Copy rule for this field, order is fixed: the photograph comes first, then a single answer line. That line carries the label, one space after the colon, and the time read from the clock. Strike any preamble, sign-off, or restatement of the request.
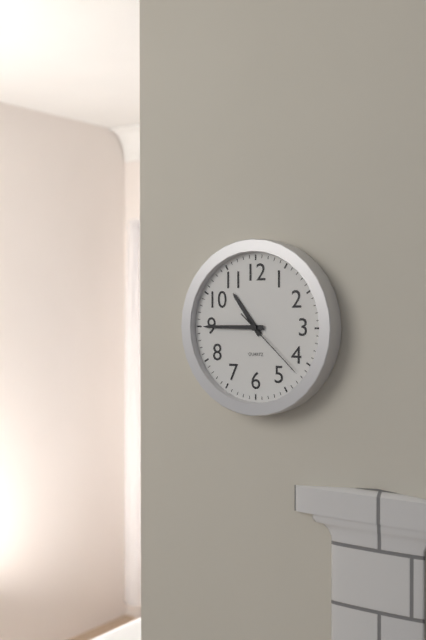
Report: 10:45:22
